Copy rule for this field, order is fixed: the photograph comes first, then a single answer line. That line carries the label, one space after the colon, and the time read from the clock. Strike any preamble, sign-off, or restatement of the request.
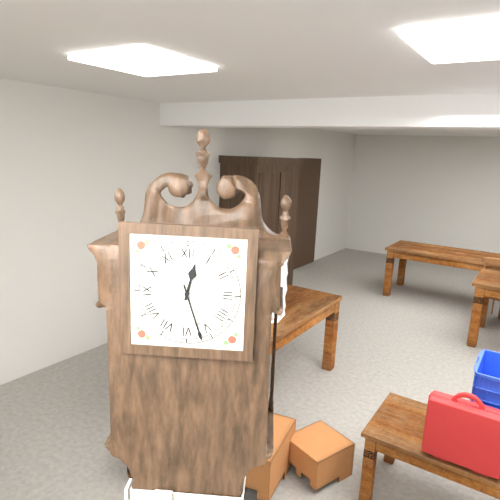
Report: 12:27
